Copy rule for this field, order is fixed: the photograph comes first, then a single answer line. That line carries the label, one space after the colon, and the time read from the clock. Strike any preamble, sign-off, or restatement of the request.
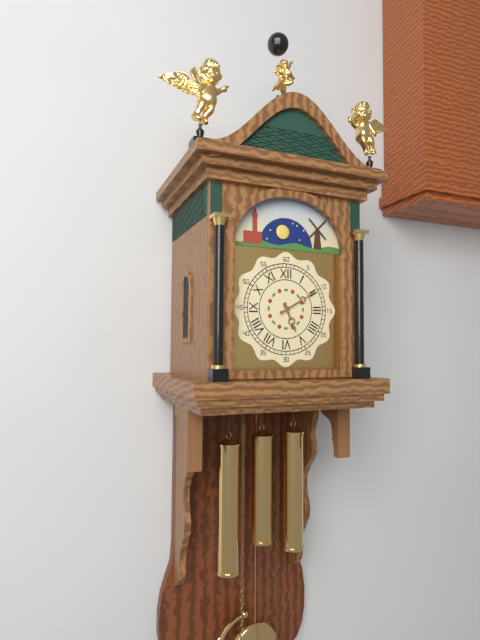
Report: 5:10
